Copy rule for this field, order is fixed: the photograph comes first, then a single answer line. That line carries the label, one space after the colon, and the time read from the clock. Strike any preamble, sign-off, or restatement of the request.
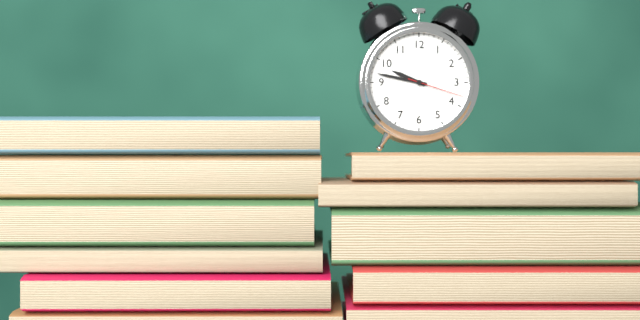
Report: 9:47:18
